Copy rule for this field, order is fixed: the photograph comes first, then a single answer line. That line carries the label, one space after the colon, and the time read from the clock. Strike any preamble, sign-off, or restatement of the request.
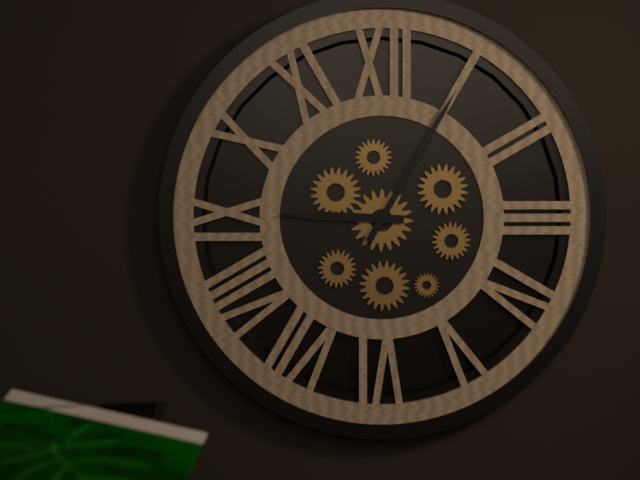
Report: 9:05
